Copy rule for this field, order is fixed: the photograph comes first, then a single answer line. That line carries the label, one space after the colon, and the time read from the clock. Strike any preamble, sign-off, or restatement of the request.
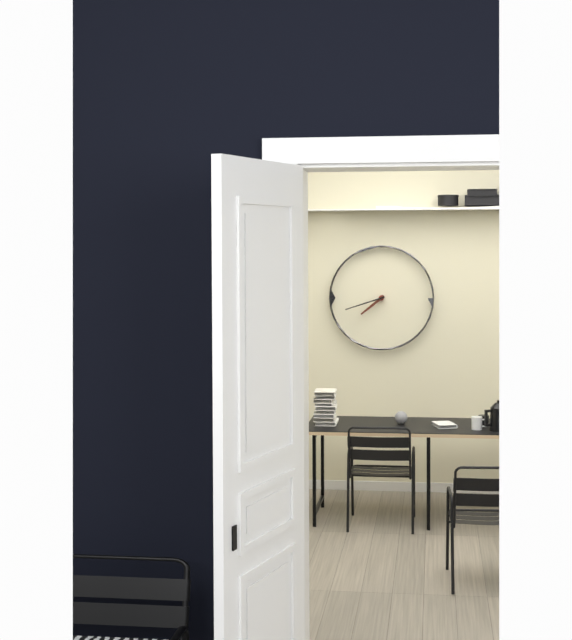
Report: 7:42
